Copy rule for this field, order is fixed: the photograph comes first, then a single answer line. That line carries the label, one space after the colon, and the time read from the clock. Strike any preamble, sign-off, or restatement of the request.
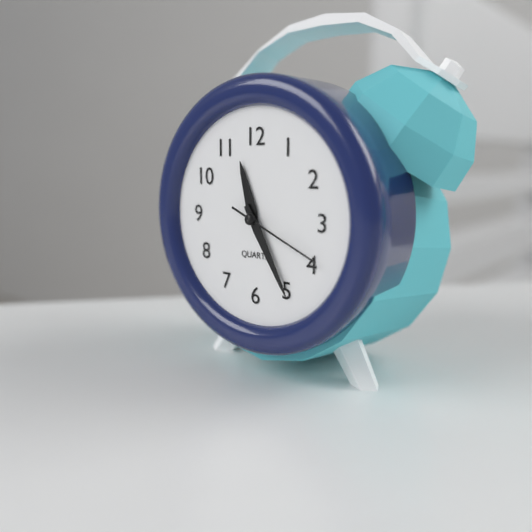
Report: 11:25:19
